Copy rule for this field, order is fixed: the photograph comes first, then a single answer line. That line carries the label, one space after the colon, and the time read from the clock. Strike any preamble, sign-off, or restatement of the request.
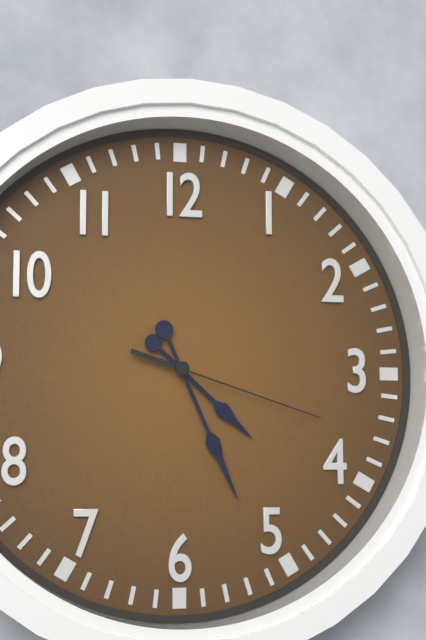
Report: 4:26:18
